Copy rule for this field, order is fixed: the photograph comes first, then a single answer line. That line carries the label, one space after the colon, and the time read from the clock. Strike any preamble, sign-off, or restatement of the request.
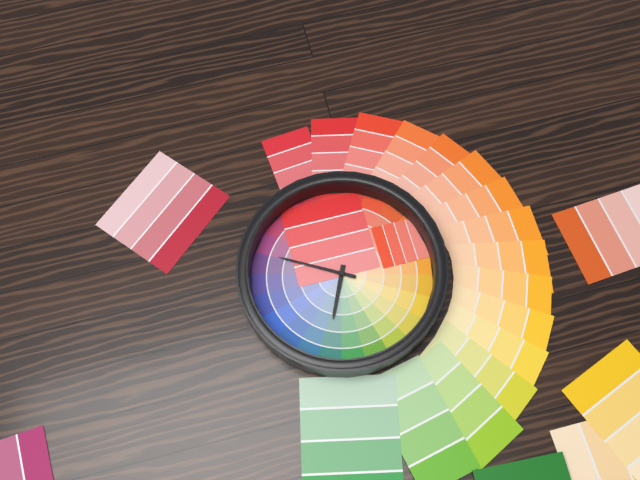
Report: 6:50
